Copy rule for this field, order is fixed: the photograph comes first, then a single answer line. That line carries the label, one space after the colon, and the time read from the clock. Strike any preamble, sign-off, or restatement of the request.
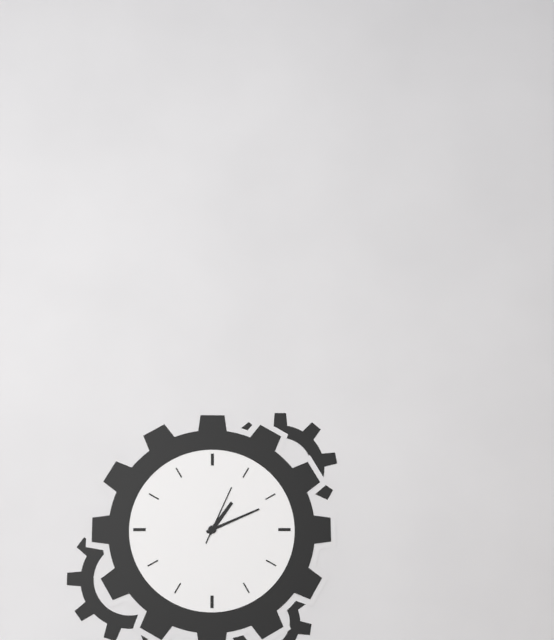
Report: 1:11:04
